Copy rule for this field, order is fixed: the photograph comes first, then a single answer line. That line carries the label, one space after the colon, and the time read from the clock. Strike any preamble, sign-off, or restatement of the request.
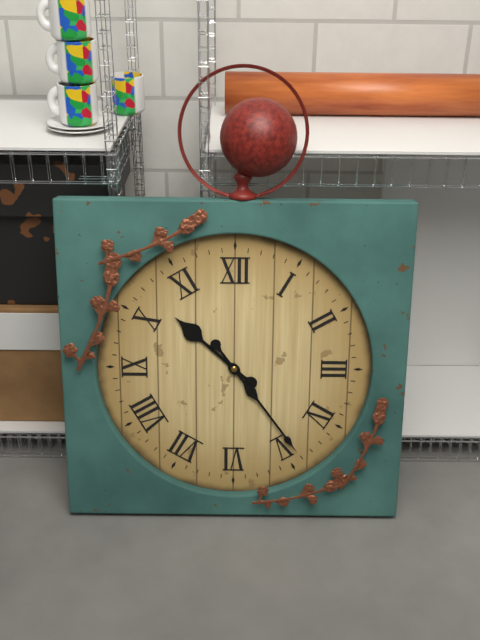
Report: 10:24
